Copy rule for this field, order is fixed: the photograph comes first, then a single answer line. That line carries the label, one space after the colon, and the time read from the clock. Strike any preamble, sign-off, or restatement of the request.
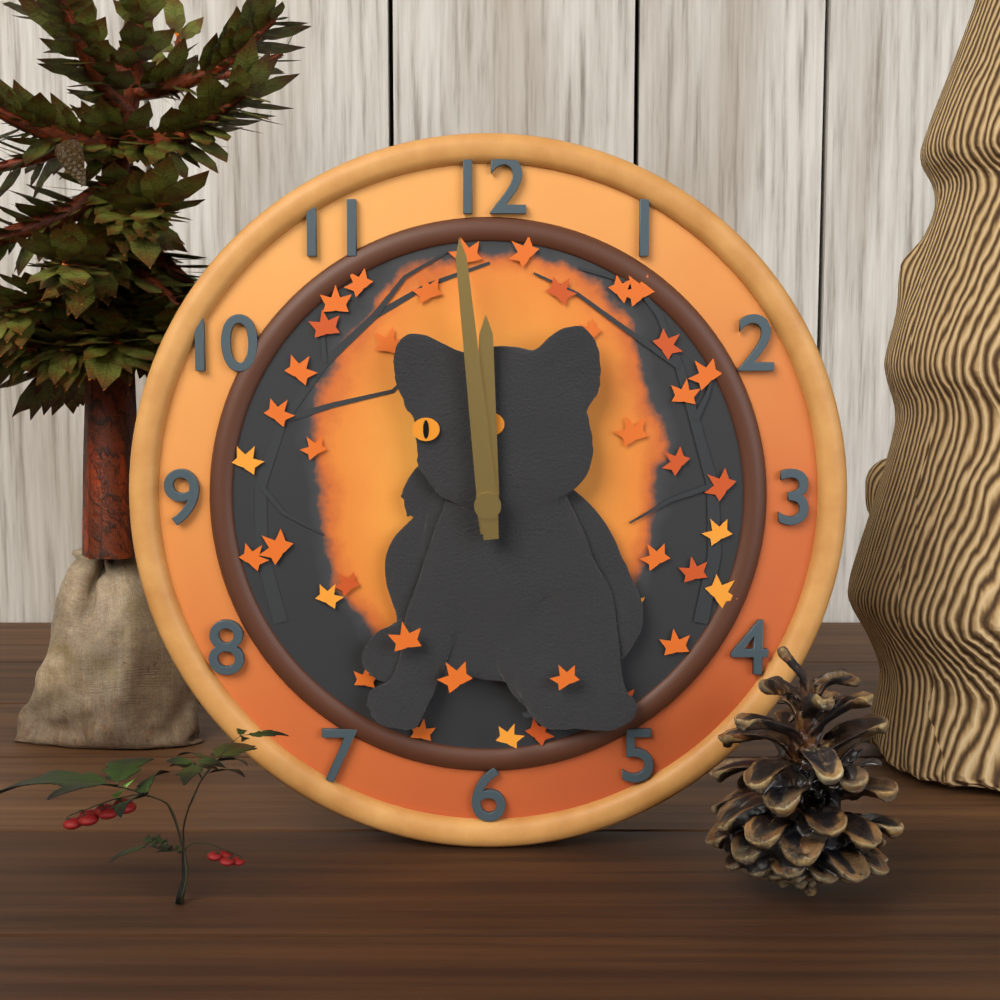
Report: 11:59
